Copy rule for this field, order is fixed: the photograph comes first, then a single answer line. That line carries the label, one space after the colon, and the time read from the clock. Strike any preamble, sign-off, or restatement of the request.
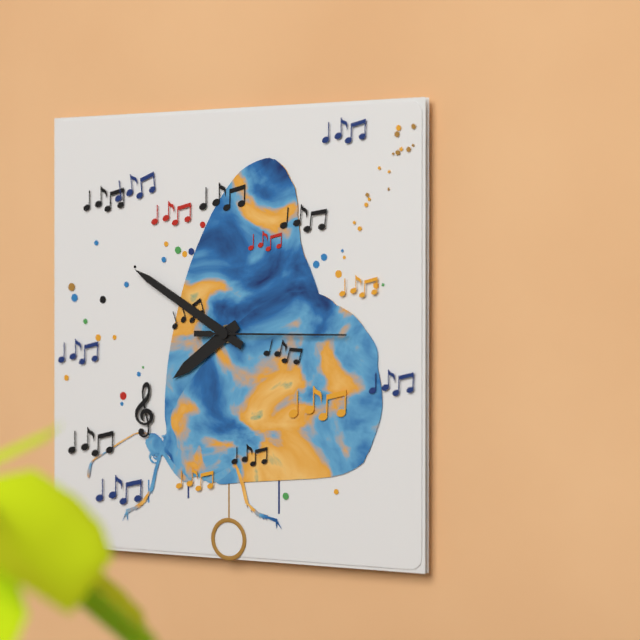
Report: 7:50:15
